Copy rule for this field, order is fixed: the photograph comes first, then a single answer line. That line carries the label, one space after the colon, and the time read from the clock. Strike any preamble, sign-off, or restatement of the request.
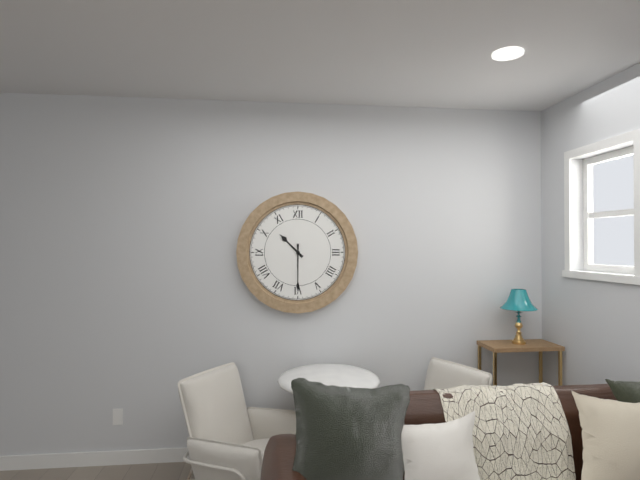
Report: 10:30
